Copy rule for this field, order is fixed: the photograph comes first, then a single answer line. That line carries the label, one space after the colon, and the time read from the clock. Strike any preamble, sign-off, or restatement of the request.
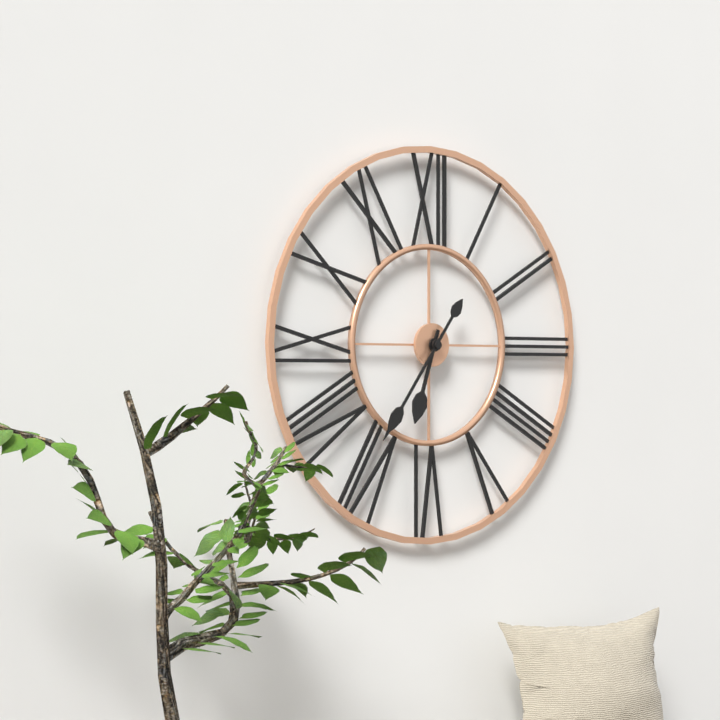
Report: 6:36
